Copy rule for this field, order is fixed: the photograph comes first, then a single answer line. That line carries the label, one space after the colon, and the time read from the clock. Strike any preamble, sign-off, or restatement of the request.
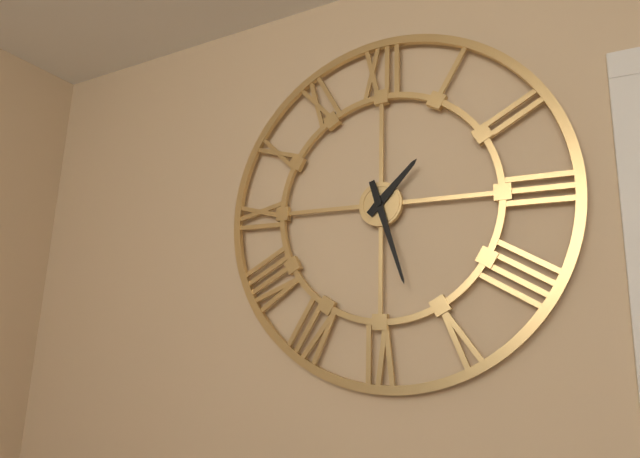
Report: 1:27
